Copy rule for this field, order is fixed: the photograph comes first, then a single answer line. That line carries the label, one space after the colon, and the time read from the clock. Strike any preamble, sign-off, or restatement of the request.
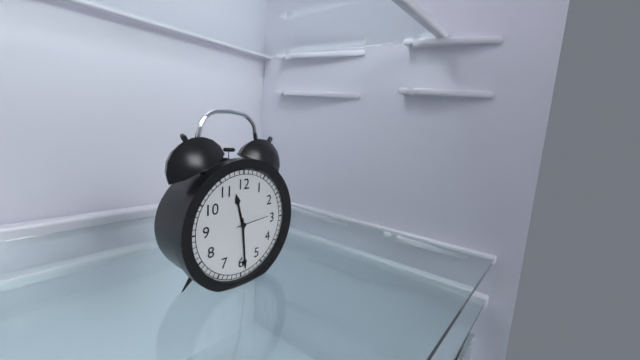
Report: 11:29
